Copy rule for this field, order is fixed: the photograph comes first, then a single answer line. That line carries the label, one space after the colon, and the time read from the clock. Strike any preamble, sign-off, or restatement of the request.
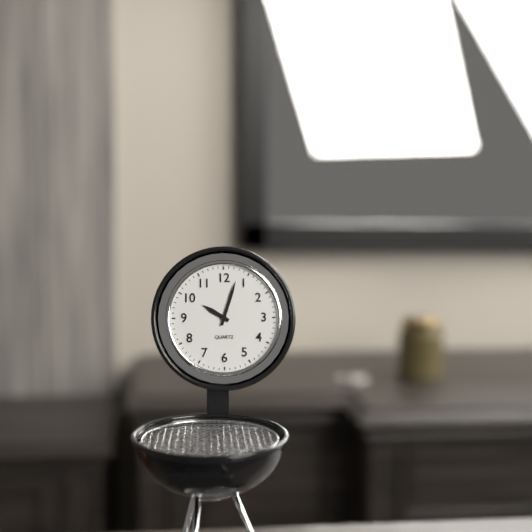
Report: 10:03
